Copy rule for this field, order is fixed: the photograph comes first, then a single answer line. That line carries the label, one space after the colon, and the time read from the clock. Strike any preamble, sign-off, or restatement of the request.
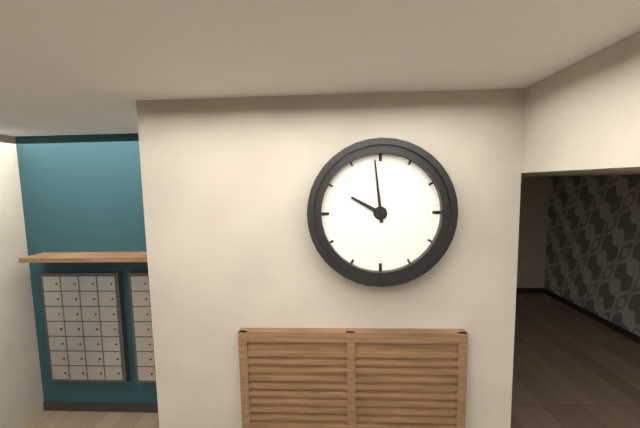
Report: 9:59
